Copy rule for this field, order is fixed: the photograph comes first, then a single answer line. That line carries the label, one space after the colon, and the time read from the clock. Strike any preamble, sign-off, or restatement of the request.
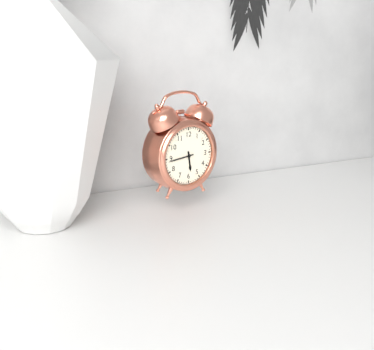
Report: 5:44
